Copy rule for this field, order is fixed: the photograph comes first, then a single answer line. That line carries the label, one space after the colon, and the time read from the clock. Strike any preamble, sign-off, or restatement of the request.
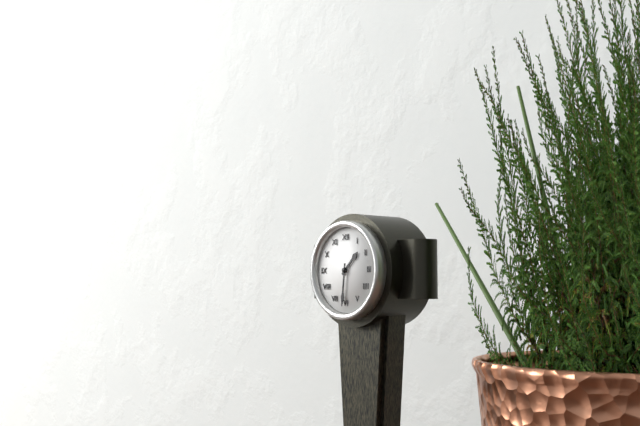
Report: 1:31
